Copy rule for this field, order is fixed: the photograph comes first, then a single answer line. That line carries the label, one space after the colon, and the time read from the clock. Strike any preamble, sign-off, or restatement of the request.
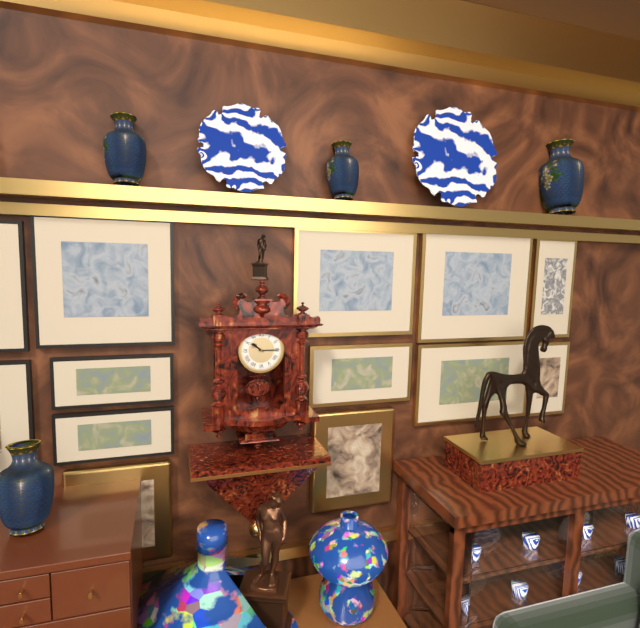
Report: 10:15
